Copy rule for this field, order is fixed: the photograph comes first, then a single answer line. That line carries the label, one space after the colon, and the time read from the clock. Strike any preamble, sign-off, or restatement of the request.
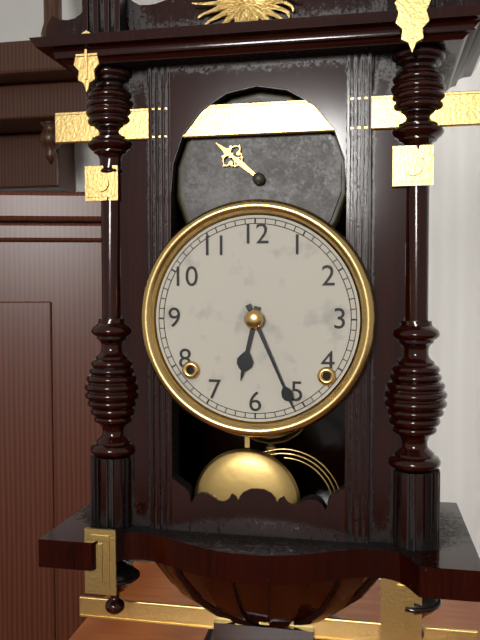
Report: 6:26
